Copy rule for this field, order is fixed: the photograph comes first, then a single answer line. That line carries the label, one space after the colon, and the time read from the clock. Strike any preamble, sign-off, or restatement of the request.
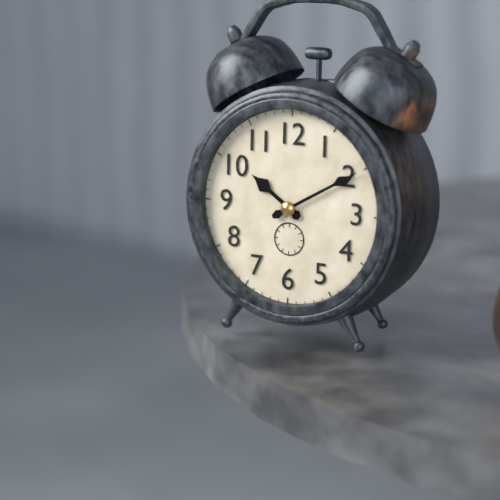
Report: 10:10
